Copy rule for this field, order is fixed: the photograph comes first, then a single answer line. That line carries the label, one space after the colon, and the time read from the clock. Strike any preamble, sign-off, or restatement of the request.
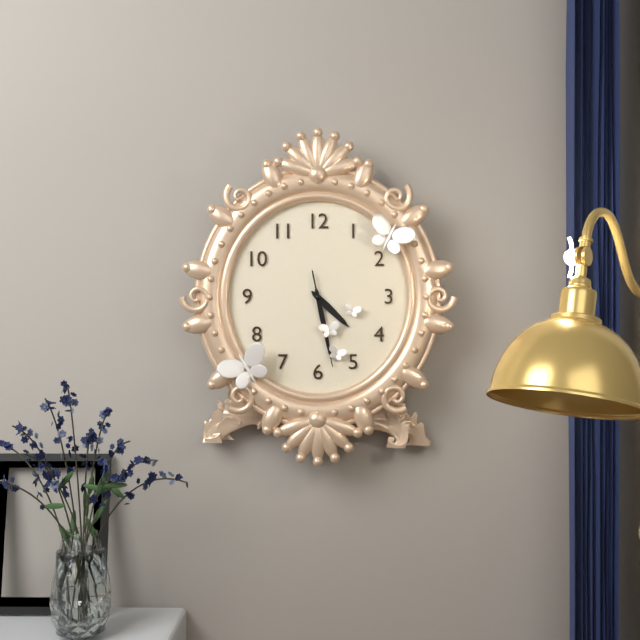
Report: 4:28:28
